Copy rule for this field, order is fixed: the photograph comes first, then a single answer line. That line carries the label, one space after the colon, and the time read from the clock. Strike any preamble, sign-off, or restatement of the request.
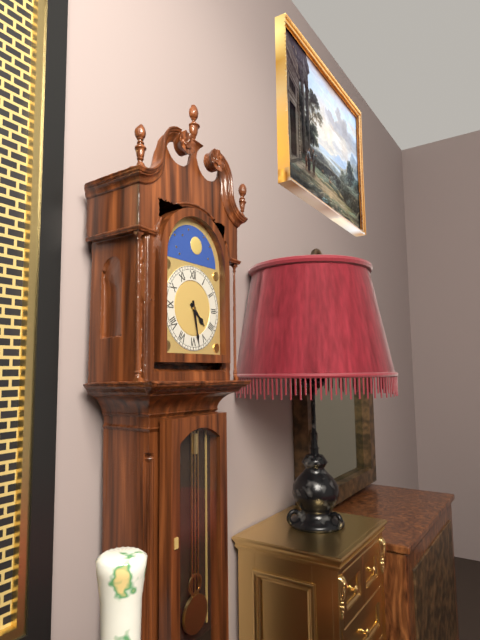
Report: 4:28
